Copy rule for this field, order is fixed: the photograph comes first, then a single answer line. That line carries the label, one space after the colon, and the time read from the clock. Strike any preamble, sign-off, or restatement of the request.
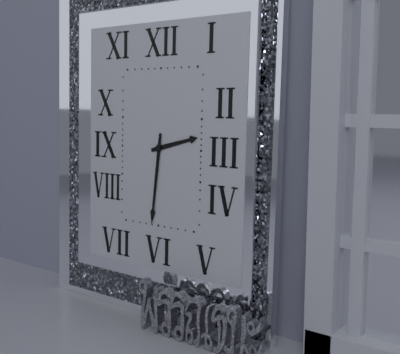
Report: 2:31
